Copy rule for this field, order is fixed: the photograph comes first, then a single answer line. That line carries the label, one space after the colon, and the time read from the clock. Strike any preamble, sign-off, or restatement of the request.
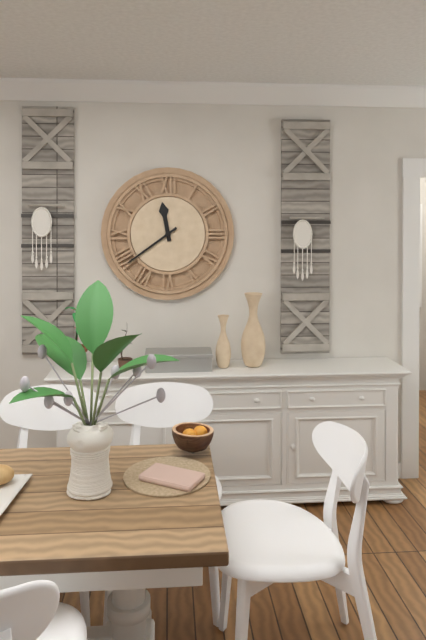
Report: 11:39
